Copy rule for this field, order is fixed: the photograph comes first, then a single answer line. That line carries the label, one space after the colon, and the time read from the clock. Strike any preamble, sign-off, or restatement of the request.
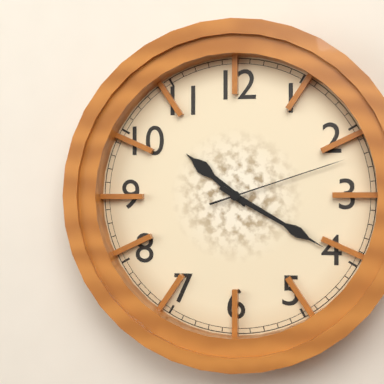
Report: 10:20:12
